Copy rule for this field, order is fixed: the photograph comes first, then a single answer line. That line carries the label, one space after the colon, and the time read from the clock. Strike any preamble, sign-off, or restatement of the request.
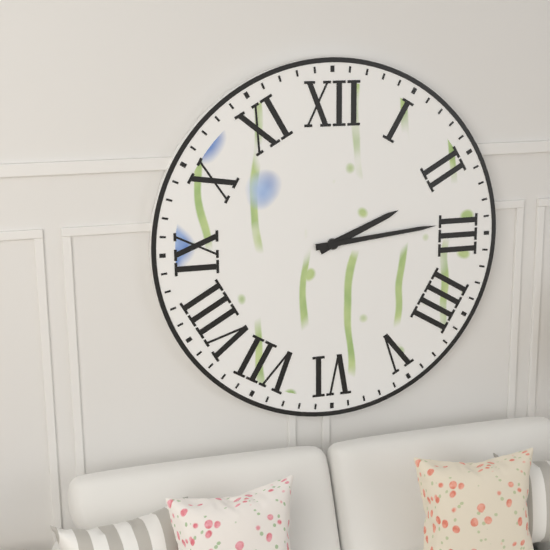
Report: 2:14
